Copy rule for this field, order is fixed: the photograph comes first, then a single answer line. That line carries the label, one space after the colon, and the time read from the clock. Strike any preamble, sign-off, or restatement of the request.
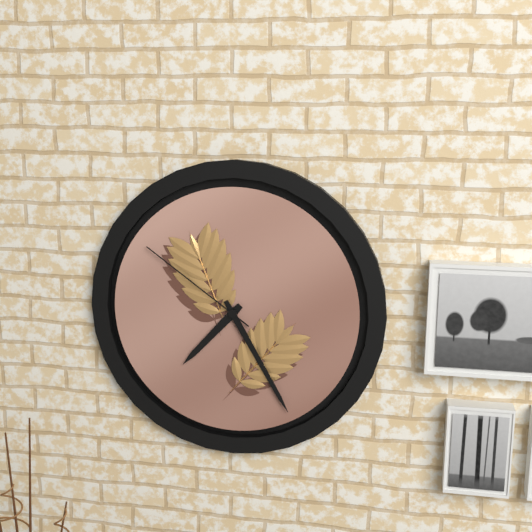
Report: 7:25:51
